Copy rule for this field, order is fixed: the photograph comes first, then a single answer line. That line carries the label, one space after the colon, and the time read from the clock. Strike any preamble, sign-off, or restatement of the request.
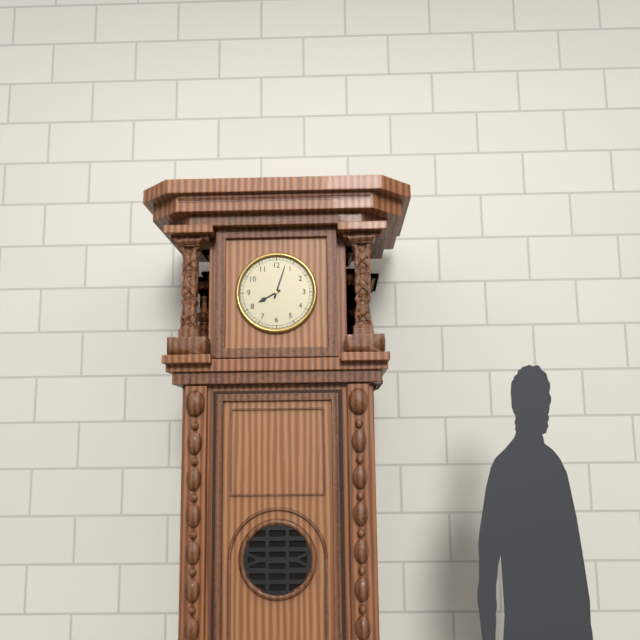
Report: 8:03
